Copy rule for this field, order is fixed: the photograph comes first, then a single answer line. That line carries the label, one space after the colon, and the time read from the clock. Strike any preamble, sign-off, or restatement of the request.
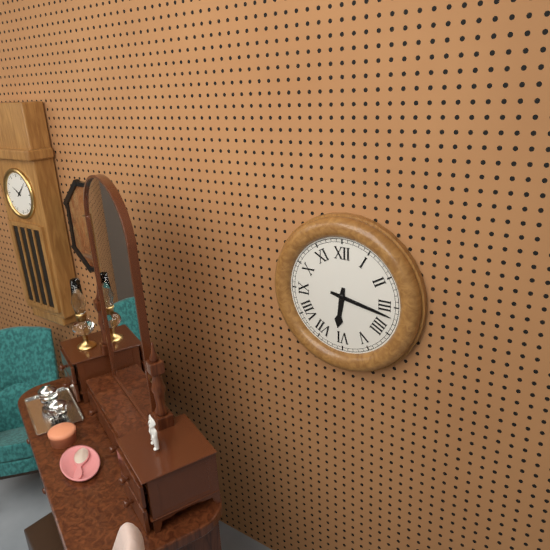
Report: 6:17
